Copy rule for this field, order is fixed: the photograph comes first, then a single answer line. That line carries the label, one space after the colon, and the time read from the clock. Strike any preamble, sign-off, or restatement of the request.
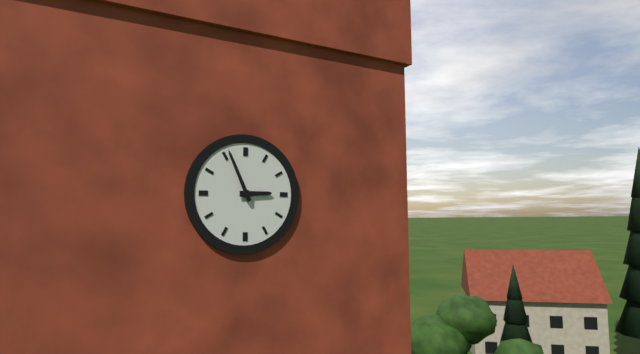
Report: 2:56
